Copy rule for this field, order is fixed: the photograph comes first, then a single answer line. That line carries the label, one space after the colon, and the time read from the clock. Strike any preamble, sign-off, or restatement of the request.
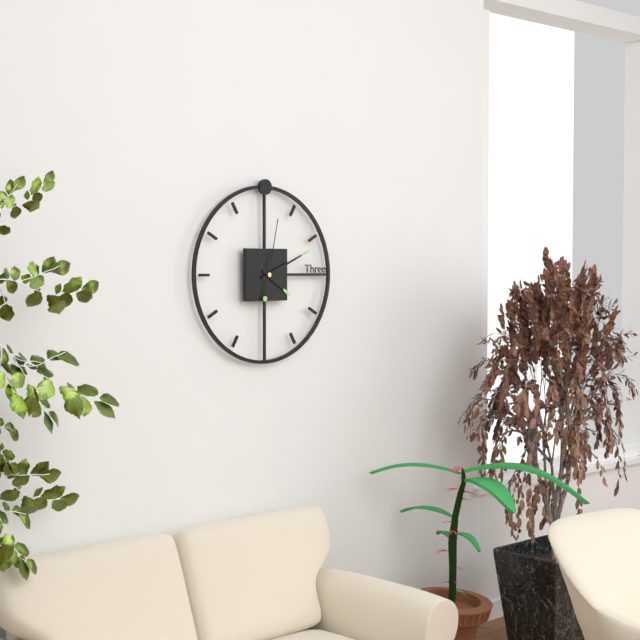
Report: 4:11:02
